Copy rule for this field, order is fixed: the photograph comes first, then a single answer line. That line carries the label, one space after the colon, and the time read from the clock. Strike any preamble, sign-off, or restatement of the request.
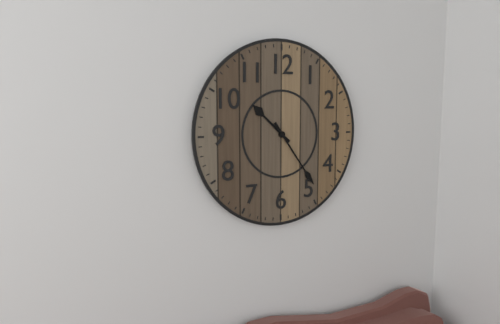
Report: 10:24
